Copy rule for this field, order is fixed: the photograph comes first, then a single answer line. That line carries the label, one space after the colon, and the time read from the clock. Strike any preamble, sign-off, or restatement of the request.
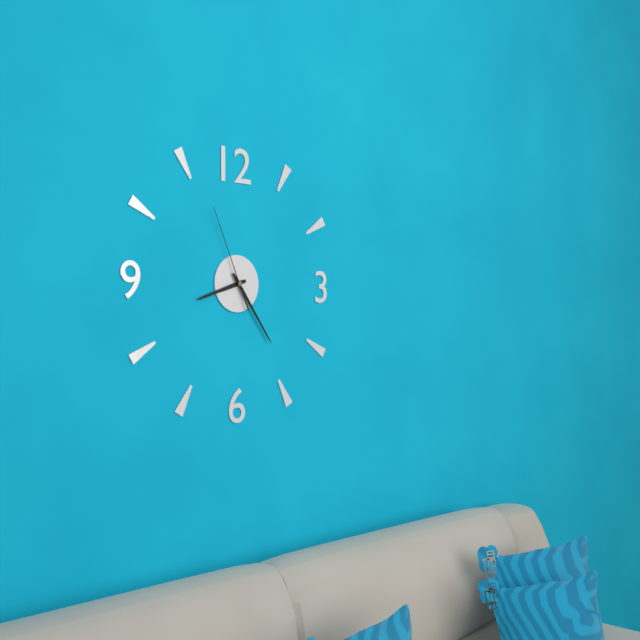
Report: 8:24:56
